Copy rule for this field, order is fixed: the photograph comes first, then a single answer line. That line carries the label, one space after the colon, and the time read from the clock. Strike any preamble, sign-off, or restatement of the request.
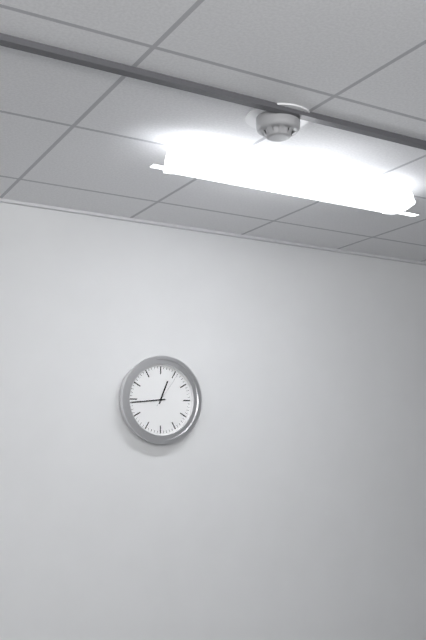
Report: 12:44
